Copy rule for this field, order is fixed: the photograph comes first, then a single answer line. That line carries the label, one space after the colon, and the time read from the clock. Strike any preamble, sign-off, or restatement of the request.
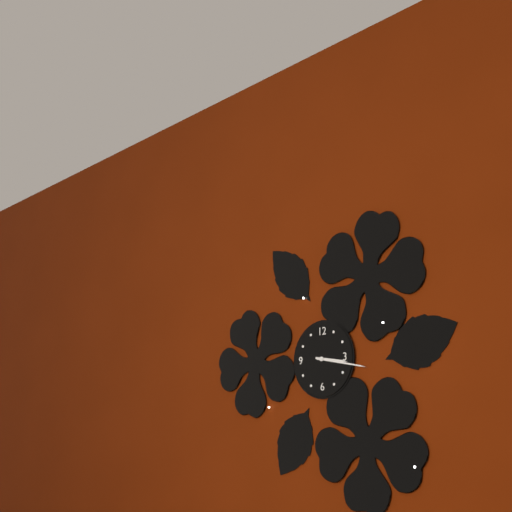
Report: 3:17
